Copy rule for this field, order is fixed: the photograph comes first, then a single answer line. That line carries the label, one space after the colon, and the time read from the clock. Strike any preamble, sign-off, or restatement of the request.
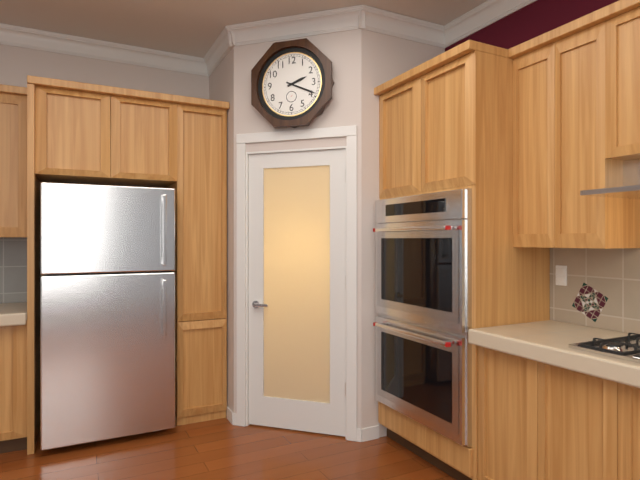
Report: 2:19
